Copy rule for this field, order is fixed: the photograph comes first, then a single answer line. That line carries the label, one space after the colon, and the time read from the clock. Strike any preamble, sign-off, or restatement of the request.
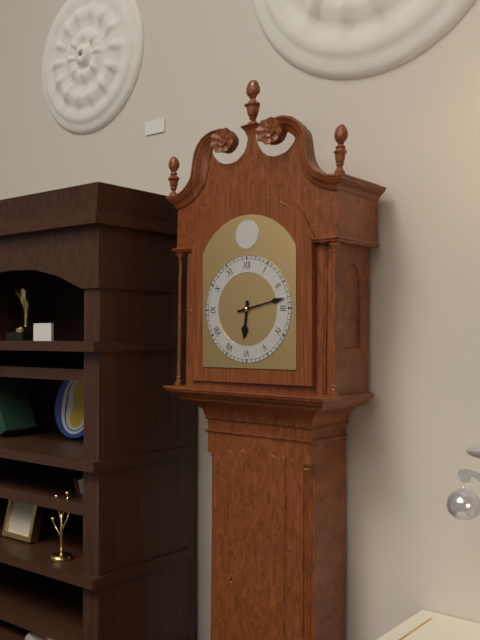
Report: 6:13
